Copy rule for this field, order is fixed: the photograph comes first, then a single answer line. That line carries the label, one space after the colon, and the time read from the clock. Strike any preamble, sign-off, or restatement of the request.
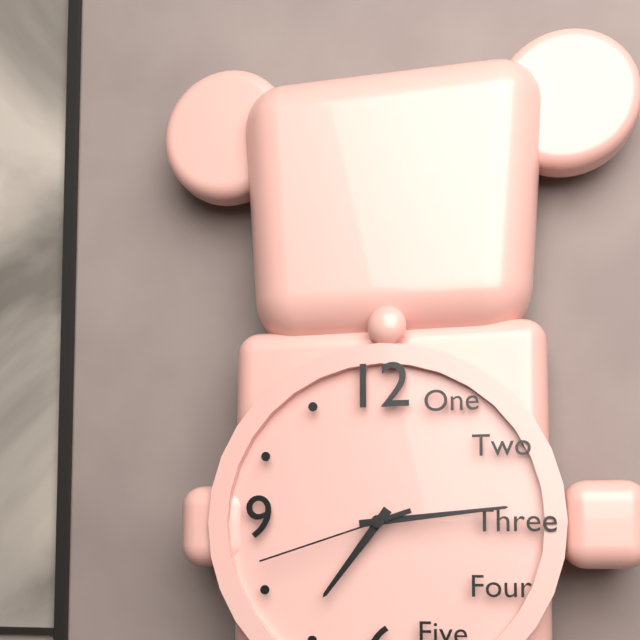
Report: 7:14:42
